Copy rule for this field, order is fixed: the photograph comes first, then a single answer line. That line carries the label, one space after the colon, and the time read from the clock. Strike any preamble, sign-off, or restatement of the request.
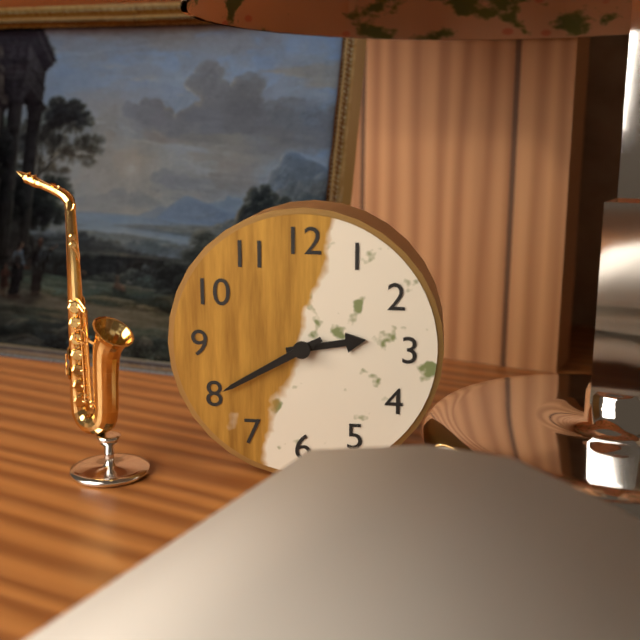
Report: 2:40
